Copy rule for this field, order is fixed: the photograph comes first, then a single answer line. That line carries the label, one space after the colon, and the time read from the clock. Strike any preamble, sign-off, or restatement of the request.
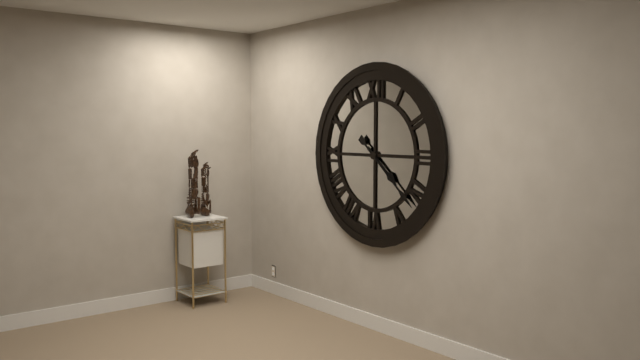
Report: 4:22
